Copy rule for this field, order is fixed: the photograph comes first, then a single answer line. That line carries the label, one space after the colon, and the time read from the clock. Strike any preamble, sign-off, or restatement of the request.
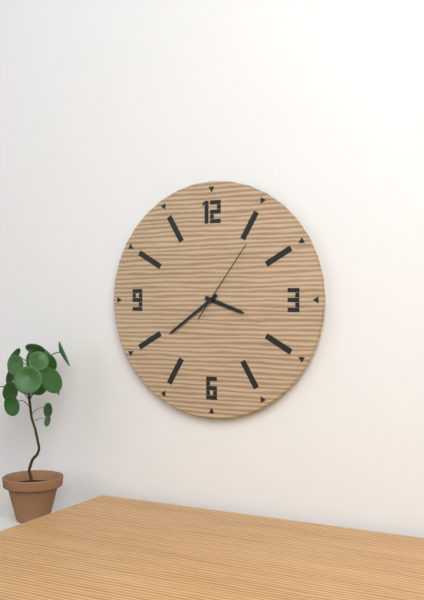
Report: 3:39:06
